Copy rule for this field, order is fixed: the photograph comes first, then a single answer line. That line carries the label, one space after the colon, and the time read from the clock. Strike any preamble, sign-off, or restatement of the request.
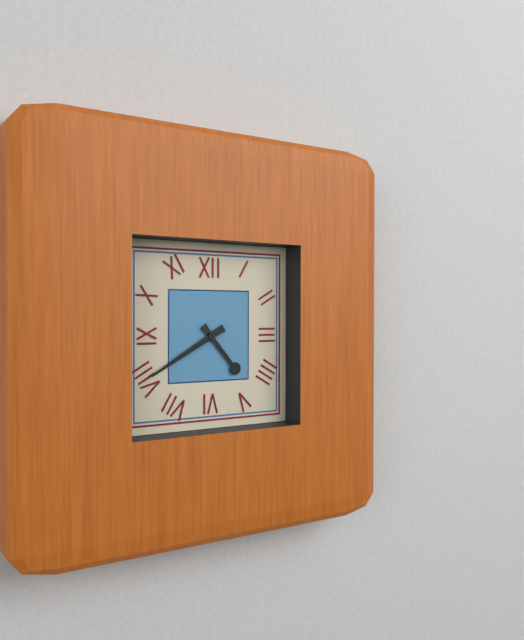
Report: 4:40
